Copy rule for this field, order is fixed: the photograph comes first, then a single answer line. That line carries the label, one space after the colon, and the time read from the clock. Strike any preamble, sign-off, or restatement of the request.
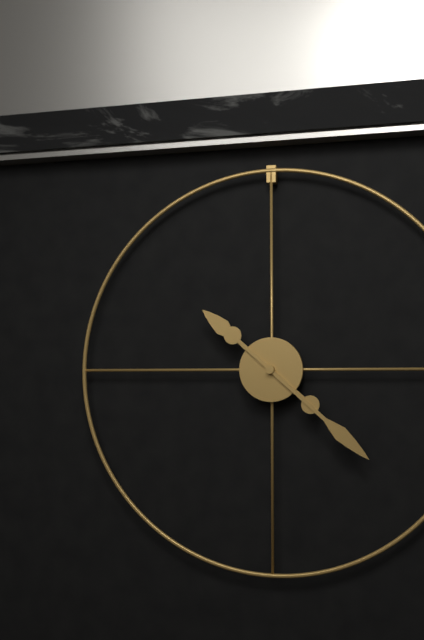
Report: 10:22
